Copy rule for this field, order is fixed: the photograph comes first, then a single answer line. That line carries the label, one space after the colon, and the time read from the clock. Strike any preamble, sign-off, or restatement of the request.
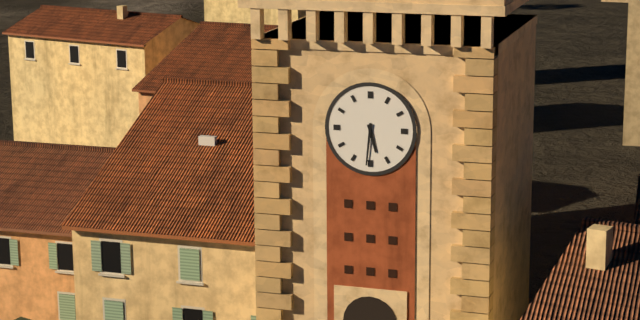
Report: 5:31
